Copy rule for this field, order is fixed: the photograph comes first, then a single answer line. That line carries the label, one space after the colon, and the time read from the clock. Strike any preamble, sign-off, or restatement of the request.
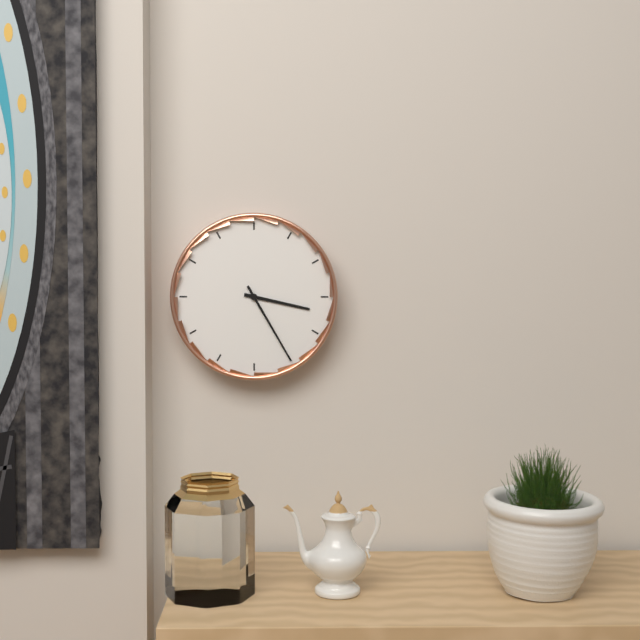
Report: 3:25
